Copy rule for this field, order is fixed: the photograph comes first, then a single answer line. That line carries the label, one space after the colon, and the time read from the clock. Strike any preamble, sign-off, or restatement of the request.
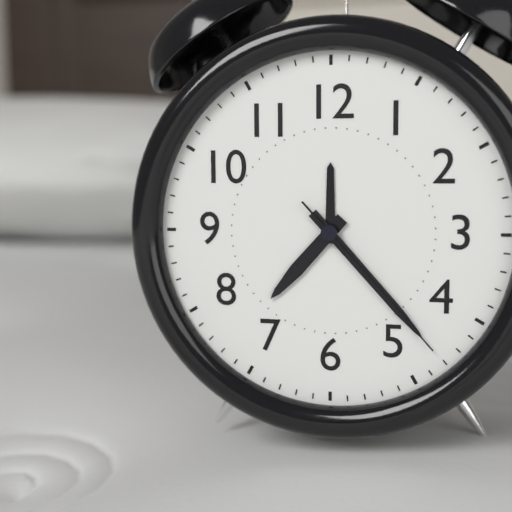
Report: 7:23:23
